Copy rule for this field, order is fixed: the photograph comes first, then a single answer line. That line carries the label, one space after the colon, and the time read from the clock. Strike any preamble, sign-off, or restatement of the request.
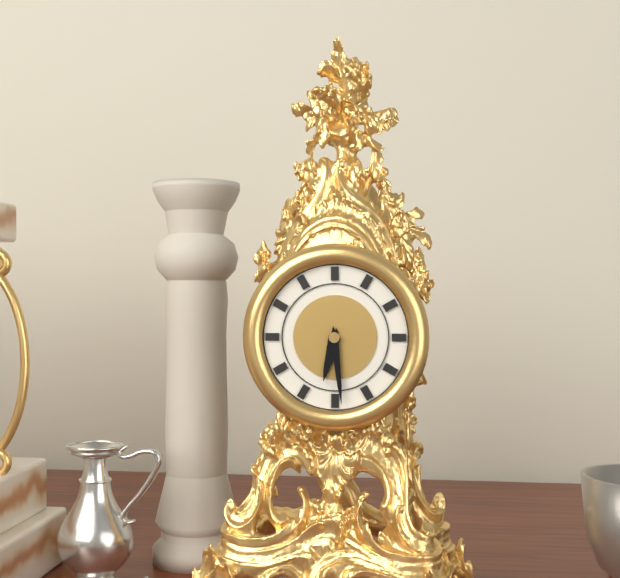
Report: 6:29
